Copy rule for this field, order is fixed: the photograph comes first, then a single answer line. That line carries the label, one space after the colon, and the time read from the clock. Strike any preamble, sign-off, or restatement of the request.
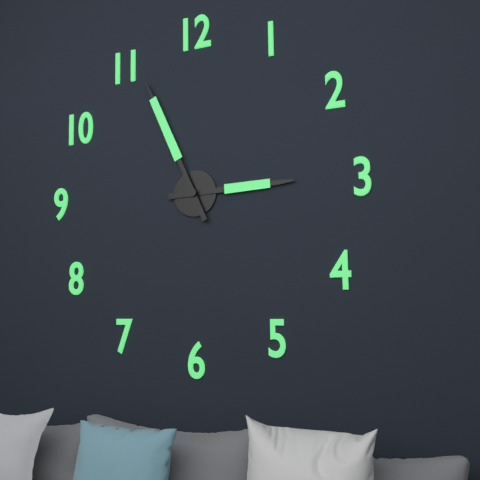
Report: 2:56
